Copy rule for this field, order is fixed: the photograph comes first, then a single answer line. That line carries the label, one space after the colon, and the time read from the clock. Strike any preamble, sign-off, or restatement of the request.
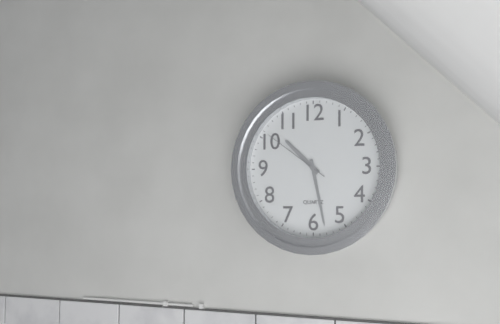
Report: 10:28:51
